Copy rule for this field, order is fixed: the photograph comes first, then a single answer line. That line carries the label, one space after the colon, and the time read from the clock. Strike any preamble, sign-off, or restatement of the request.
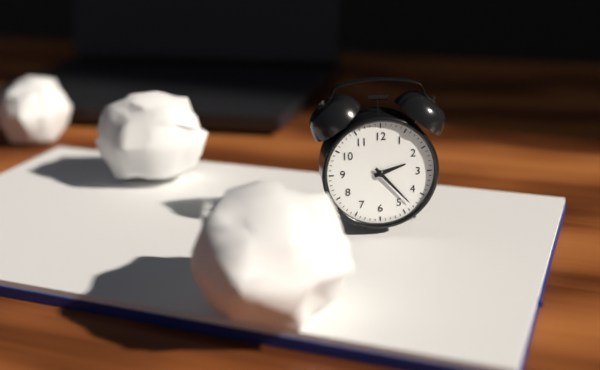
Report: 2:23
